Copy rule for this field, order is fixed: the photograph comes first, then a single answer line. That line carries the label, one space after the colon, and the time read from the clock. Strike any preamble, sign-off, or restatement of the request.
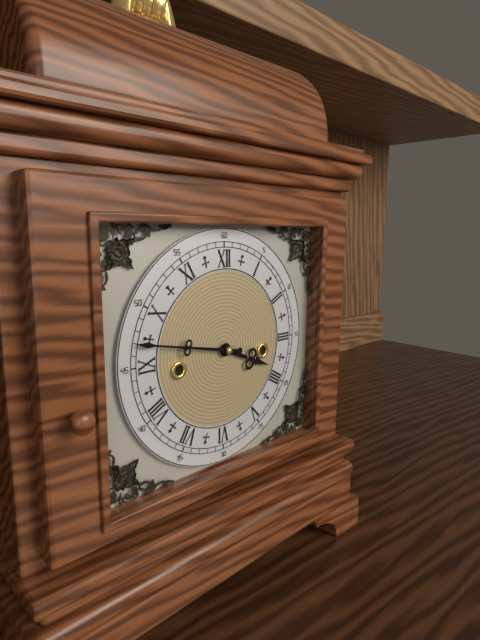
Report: 3:47
